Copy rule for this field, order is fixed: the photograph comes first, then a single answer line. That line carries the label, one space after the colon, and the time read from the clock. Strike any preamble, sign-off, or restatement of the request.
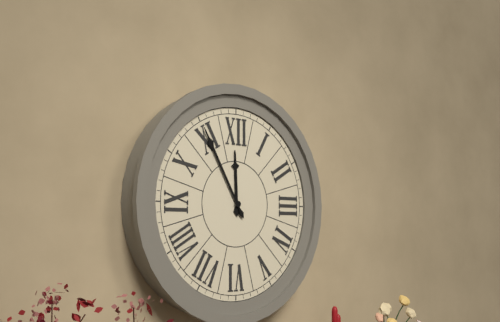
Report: 11:55
